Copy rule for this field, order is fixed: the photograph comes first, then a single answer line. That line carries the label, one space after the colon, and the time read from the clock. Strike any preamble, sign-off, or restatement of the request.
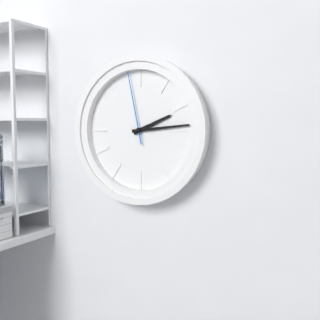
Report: 2:14:58
